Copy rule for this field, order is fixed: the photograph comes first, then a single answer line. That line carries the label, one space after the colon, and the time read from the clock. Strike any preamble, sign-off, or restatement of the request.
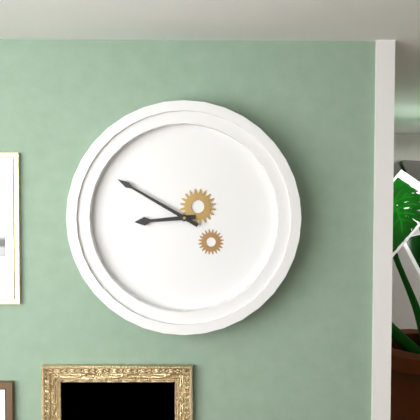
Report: 8:50
